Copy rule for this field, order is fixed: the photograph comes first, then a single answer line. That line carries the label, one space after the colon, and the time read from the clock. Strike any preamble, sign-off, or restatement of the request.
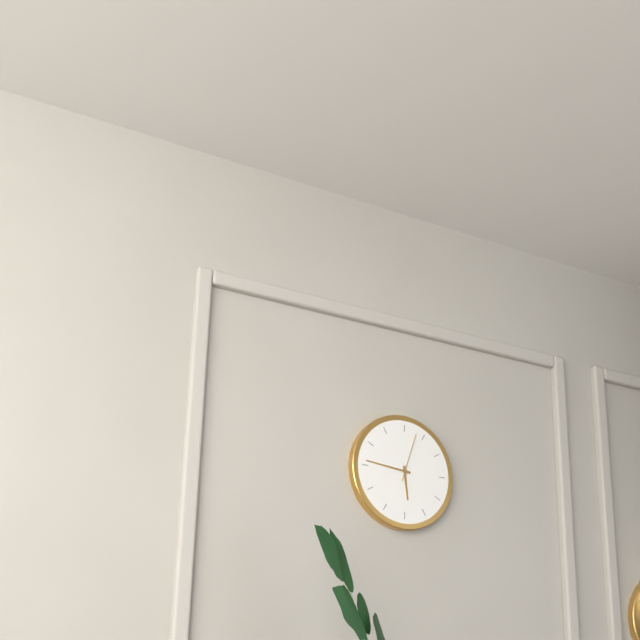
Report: 5:46
